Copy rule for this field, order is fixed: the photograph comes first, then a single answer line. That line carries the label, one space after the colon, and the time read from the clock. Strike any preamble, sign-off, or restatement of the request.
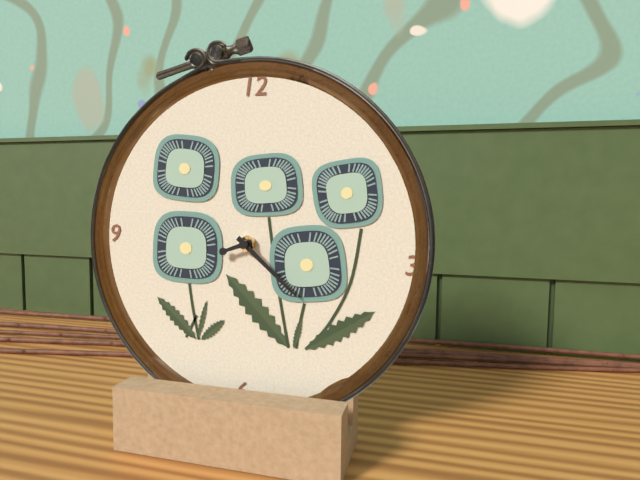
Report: 8:22
